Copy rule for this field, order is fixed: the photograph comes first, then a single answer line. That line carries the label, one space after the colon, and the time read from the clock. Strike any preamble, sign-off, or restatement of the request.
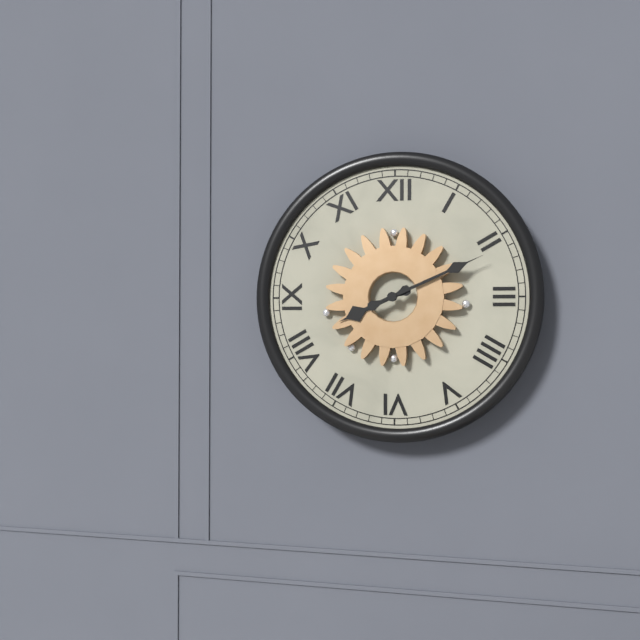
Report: 8:11
